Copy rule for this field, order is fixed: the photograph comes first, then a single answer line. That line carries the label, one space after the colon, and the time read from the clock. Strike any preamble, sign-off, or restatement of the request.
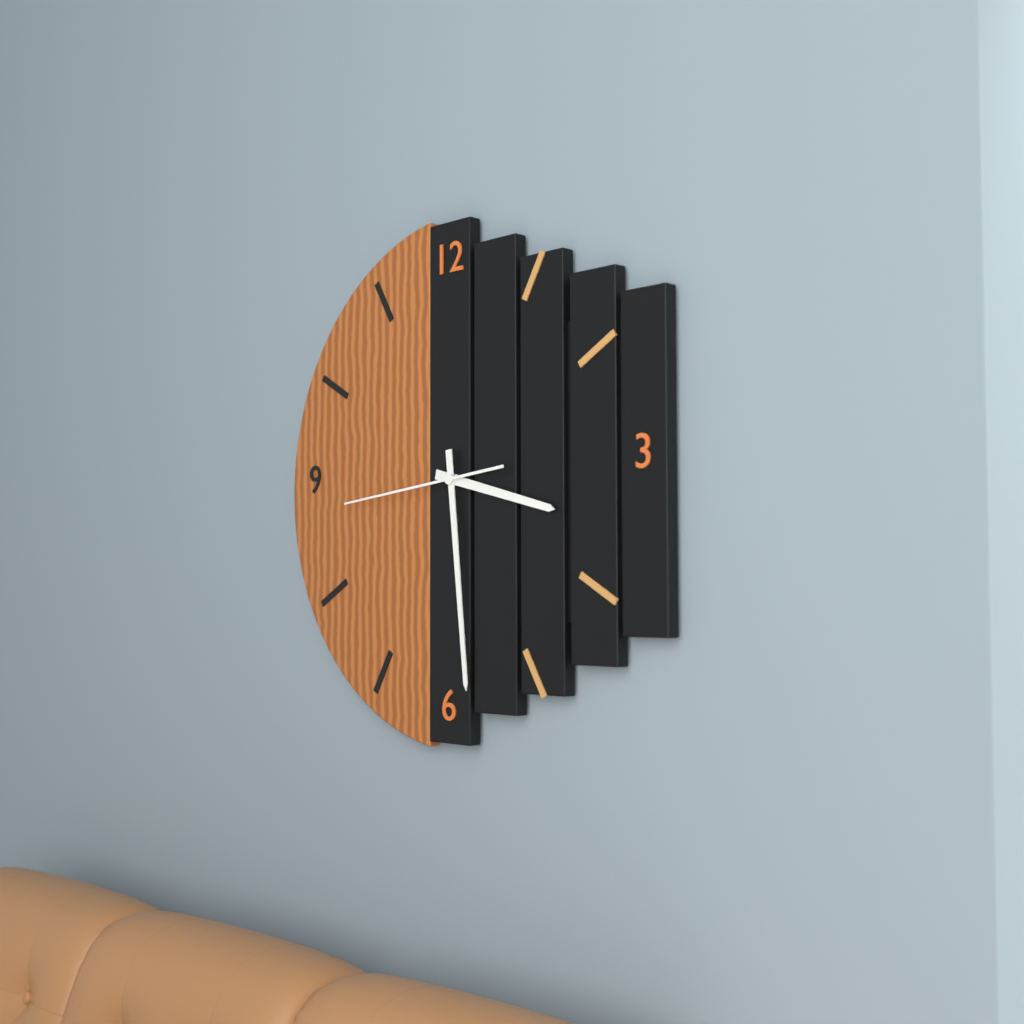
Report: 3:29:44
